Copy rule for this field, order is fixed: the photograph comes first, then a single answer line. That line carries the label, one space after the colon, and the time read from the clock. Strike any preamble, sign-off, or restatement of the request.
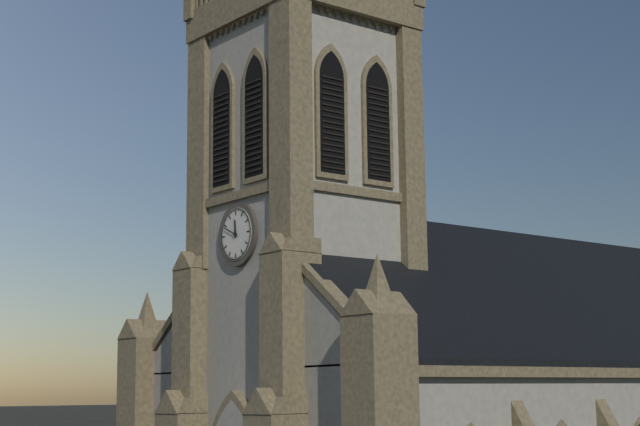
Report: 11:49
